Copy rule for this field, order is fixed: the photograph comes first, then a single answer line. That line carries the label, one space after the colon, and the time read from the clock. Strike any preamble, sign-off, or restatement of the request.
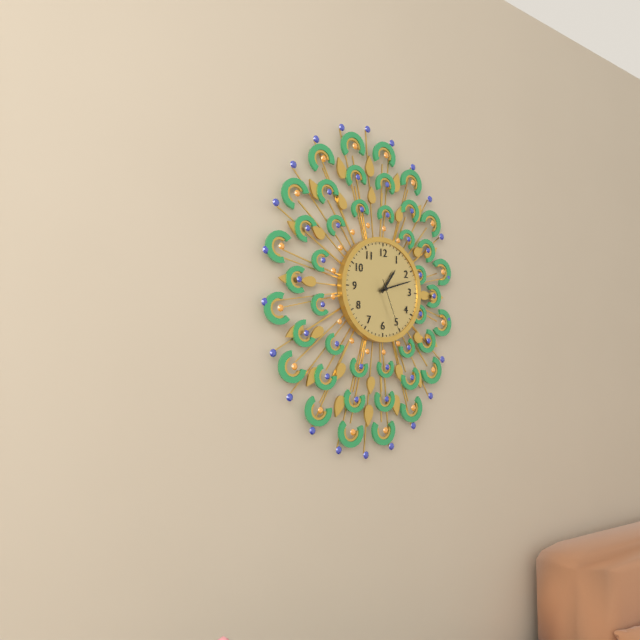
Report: 1:12:26
